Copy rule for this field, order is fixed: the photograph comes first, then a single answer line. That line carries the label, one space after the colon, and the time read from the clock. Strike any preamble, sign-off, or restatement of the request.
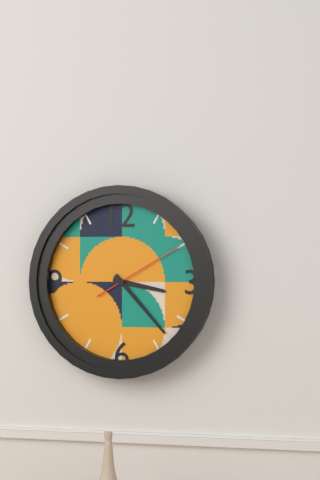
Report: 3:23:10
